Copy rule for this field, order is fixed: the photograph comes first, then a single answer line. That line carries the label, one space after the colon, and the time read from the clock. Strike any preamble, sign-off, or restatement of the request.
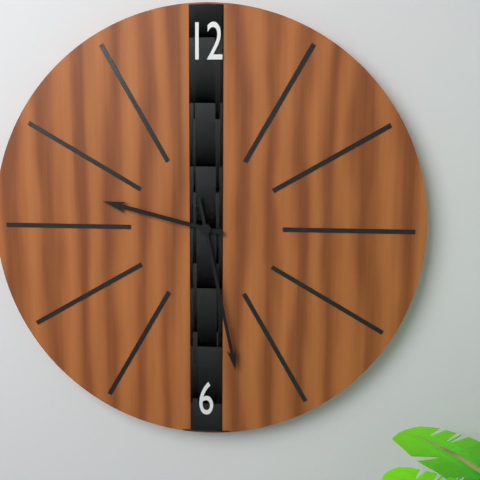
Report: 9:28
